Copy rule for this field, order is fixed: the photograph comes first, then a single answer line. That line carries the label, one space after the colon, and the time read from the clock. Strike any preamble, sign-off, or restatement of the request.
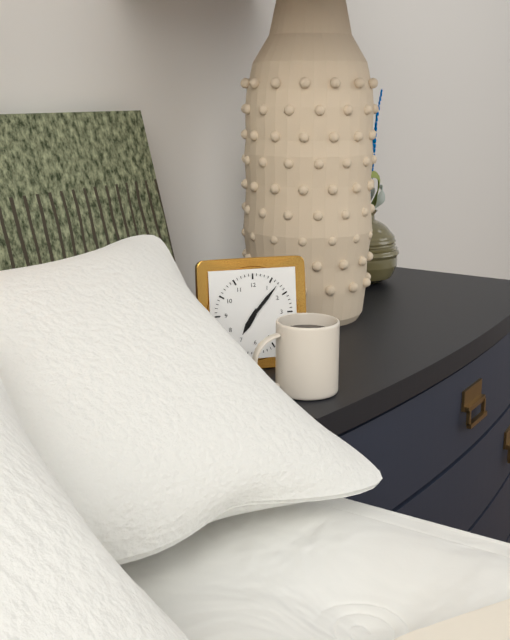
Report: 7:07
